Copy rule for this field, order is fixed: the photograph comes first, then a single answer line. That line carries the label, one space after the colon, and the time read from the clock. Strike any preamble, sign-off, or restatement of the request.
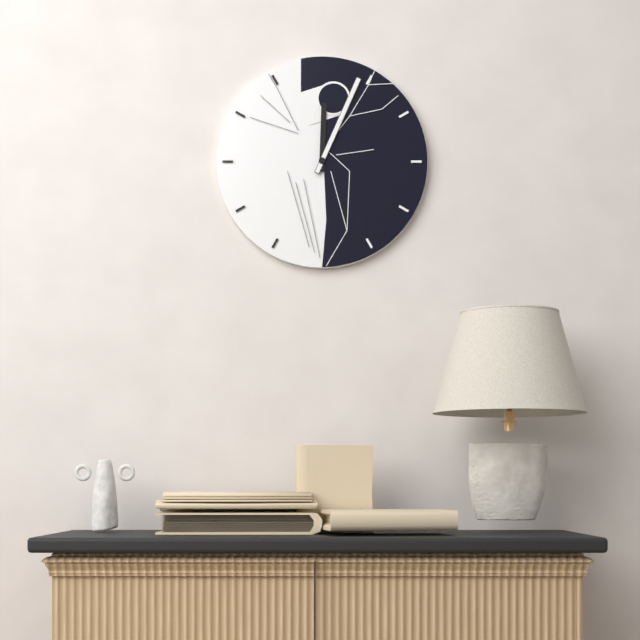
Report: 12:04
